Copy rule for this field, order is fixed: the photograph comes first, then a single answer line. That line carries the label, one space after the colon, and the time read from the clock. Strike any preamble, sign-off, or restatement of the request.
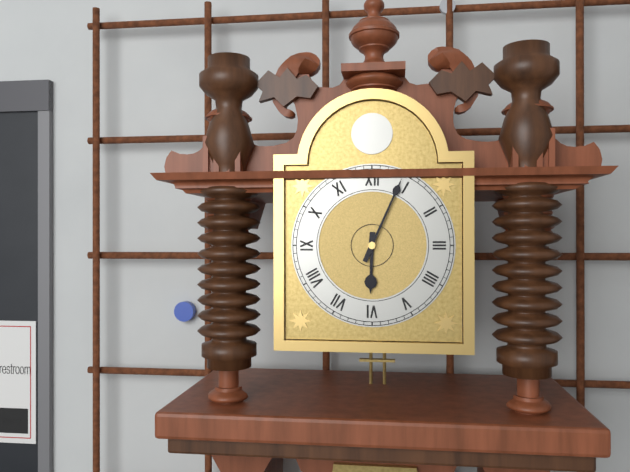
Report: 6:04
